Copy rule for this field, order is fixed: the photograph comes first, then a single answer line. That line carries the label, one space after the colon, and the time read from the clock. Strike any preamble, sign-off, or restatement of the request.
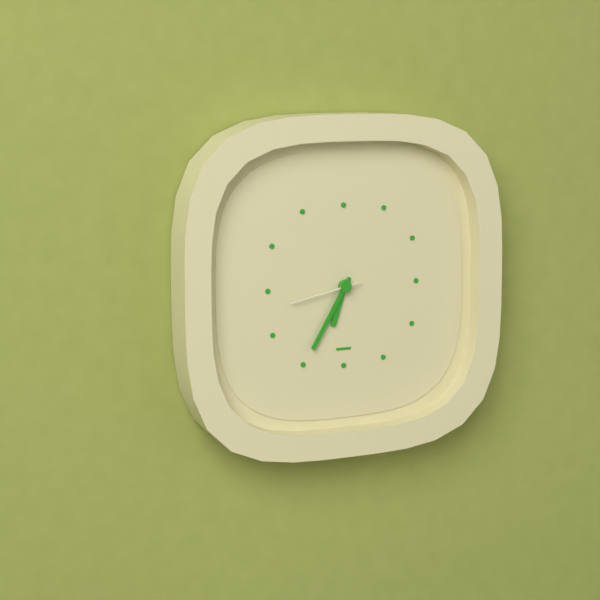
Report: 6:35:43
